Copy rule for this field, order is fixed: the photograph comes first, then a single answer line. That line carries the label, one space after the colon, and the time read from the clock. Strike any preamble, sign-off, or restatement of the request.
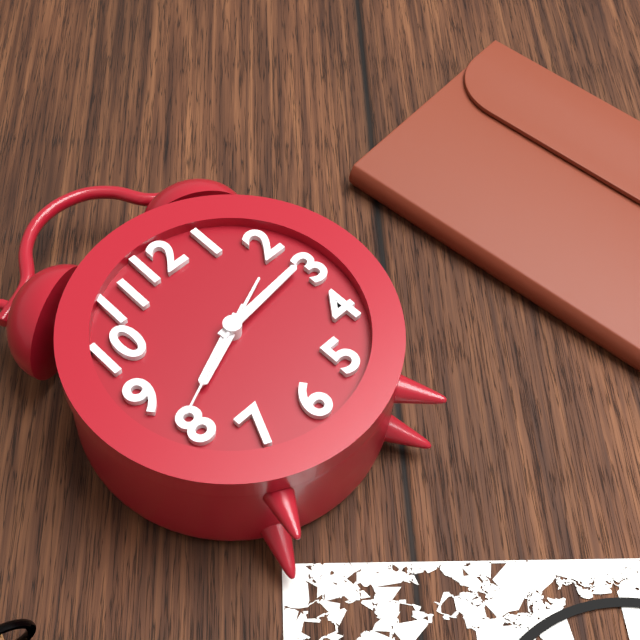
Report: 8:14:41
